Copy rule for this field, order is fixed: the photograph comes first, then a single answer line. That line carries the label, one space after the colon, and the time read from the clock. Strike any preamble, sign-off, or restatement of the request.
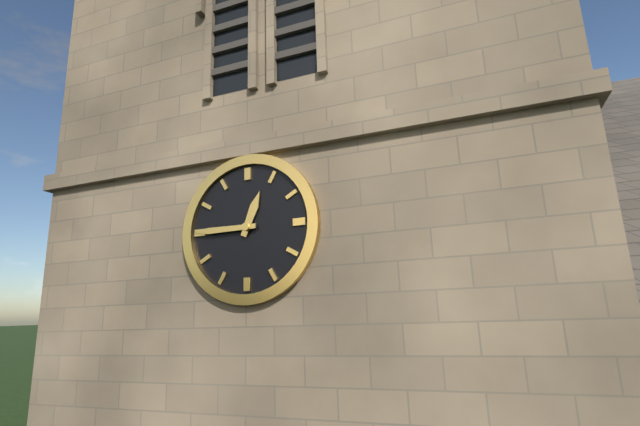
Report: 12:45
